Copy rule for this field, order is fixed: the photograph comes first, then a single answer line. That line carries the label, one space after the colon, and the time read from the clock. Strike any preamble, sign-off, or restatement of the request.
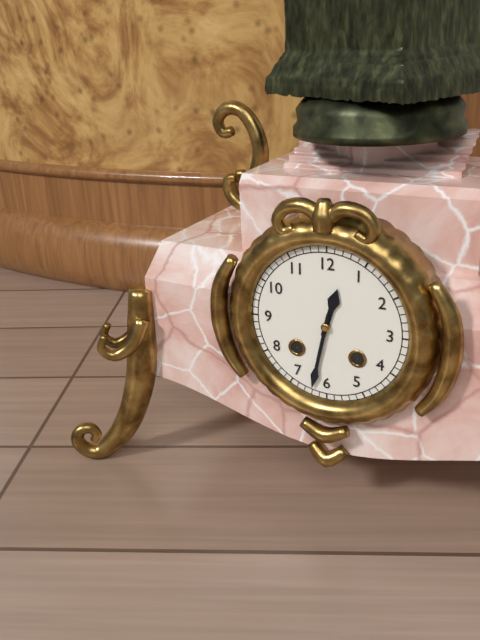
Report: 12:32
